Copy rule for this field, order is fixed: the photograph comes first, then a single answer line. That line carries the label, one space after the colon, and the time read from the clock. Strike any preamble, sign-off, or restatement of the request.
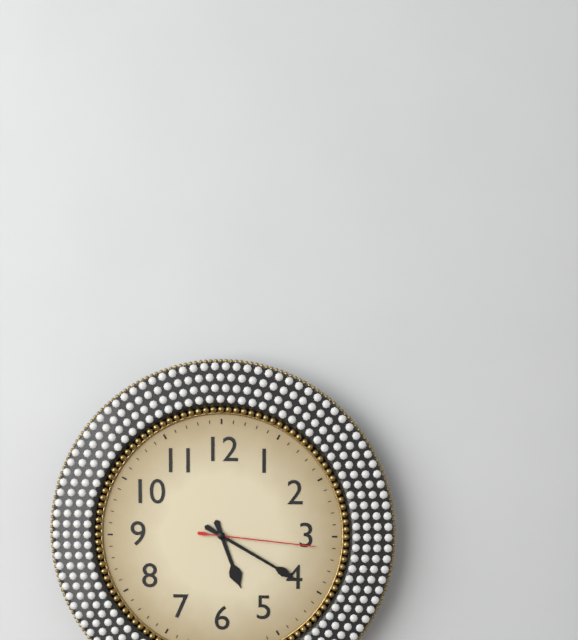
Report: 5:20:16
